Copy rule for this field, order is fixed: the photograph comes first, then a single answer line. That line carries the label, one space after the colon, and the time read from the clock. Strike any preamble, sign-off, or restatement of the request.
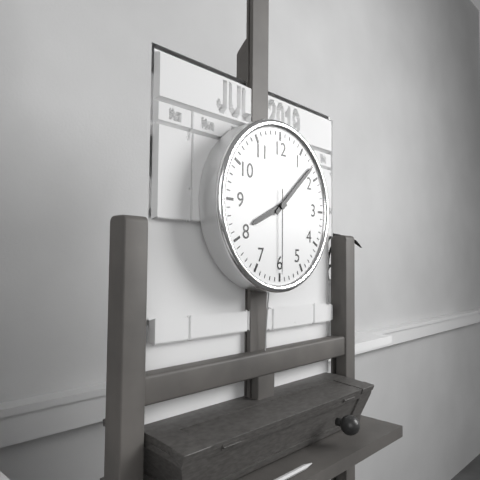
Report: 8:08:30
